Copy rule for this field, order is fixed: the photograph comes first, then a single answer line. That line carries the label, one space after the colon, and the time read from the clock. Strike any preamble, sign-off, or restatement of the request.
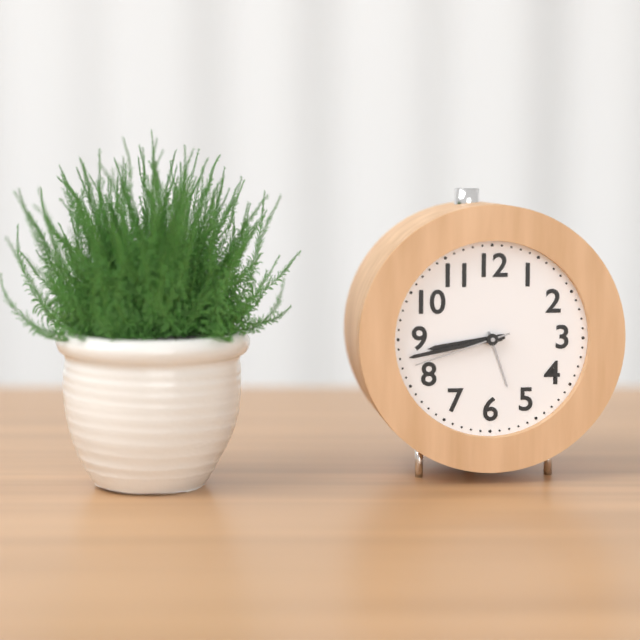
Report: 8:43:42
